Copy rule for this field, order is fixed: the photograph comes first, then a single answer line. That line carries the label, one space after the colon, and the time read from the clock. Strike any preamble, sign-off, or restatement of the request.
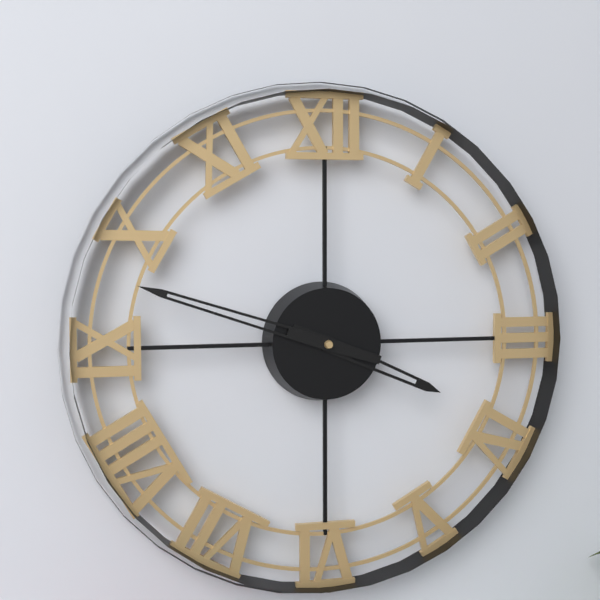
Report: 3:48
